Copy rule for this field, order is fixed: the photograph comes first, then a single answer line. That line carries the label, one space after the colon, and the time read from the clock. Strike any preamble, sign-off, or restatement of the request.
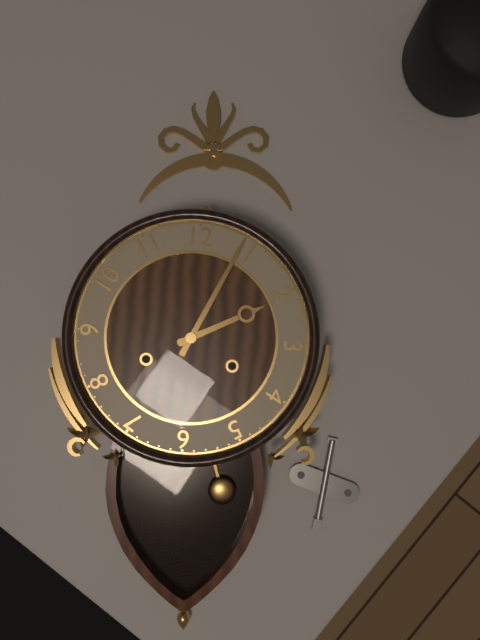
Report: 2:04
